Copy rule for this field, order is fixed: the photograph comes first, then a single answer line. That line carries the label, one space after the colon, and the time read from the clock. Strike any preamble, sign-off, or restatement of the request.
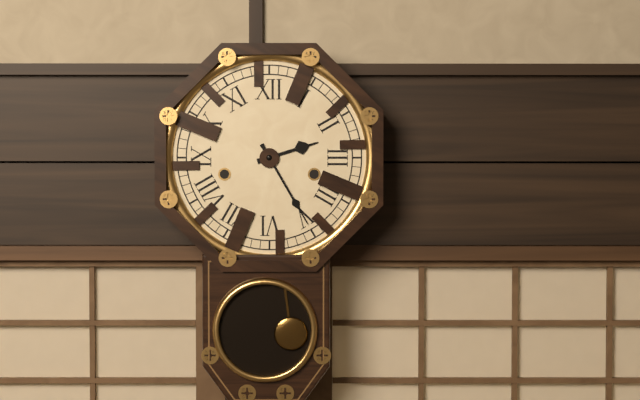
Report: 2:25
